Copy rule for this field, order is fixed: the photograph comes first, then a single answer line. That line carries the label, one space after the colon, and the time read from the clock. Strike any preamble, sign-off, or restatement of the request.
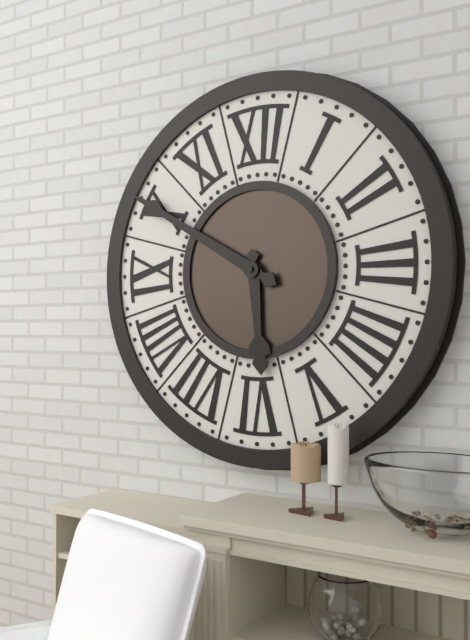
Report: 5:50
